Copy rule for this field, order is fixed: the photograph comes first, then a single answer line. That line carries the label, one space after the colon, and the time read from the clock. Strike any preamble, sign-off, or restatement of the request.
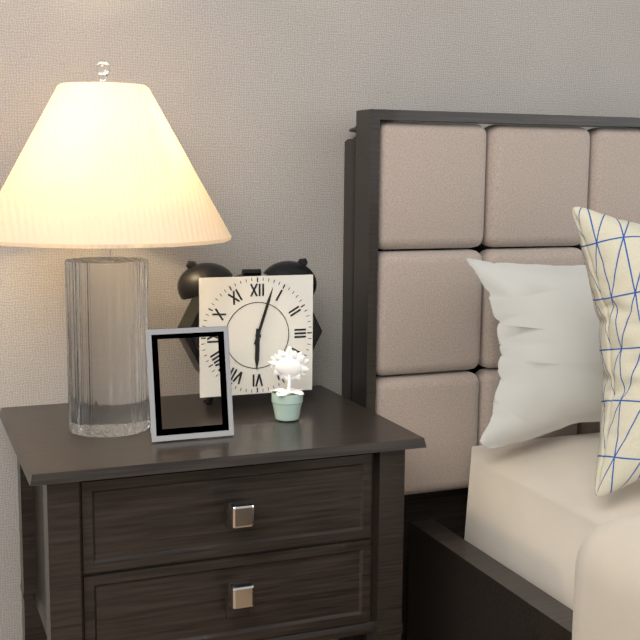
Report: 6:03
